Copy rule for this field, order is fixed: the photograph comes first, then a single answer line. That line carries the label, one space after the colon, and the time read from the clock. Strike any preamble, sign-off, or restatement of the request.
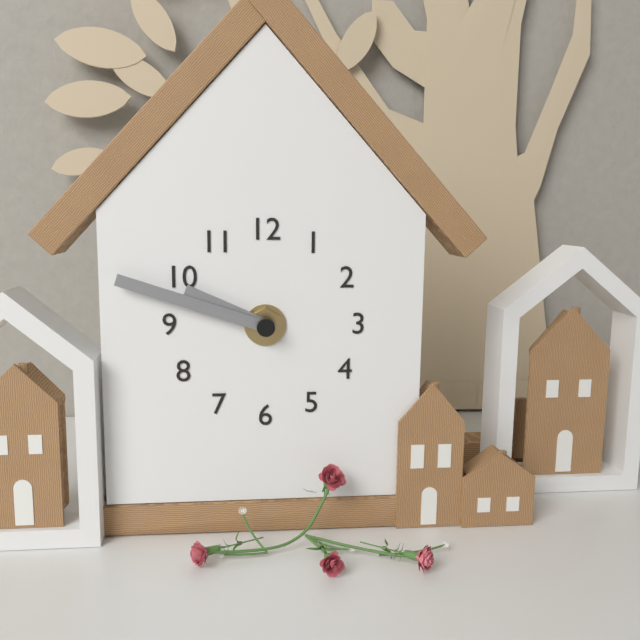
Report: 9:48
